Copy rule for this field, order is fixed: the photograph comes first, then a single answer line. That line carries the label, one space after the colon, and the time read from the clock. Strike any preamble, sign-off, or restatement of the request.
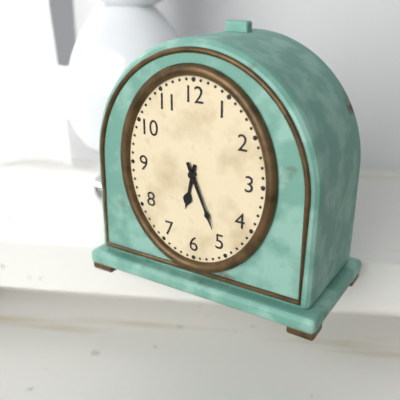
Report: 6:26
